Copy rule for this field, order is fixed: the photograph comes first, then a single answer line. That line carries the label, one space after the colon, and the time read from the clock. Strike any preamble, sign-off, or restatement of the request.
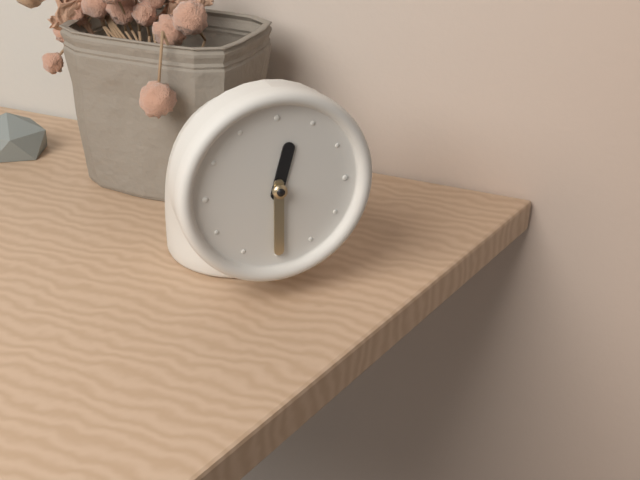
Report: 12:30
